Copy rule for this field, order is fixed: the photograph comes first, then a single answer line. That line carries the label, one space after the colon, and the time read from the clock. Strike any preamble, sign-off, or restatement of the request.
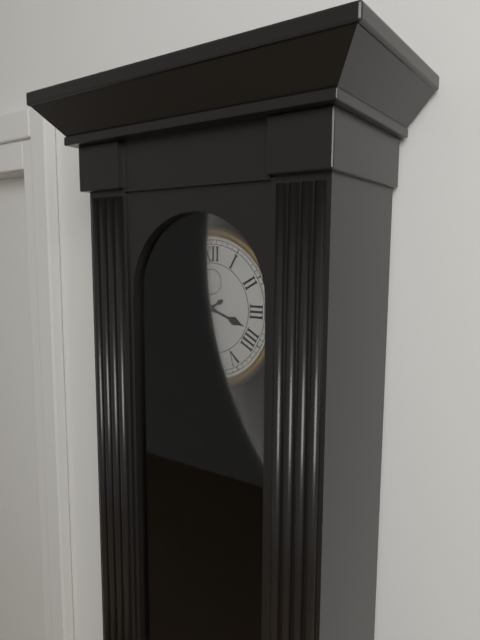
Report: 3:40
